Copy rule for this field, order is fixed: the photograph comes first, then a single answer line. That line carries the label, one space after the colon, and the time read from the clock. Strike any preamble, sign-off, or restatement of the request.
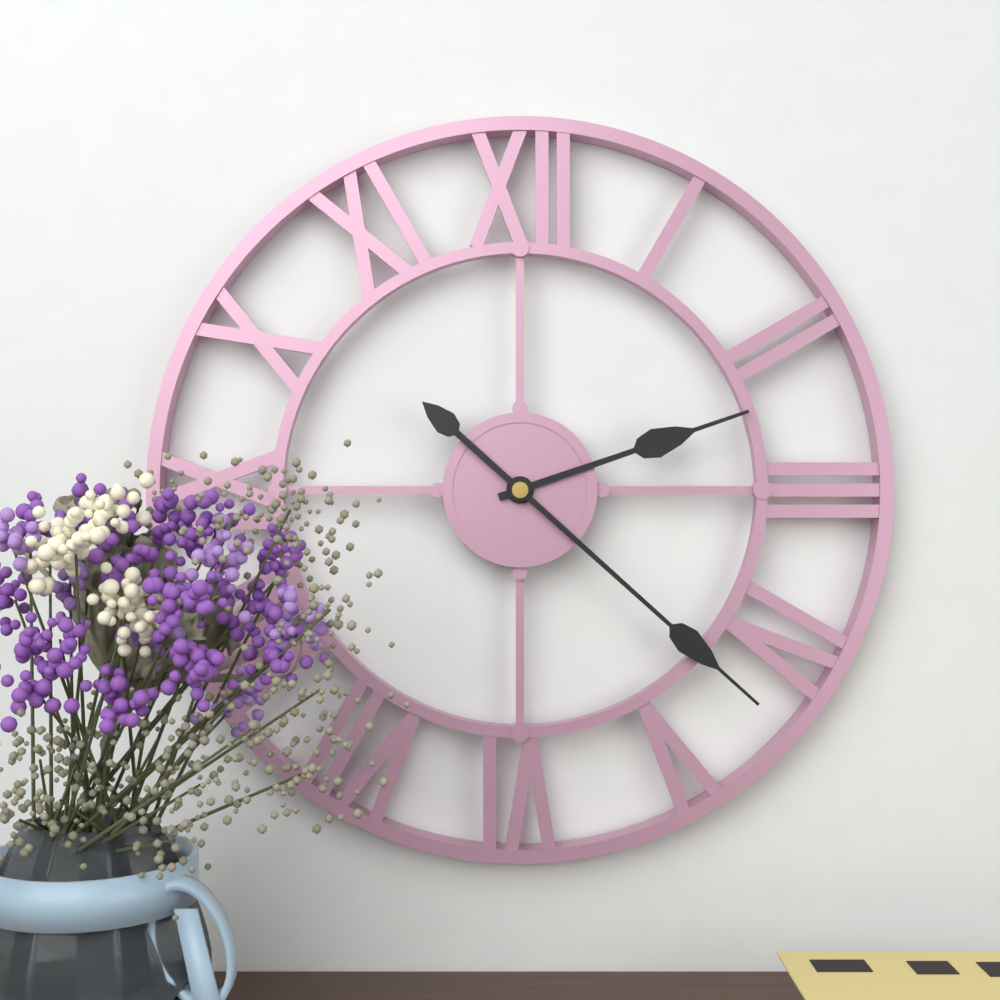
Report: 2:22
